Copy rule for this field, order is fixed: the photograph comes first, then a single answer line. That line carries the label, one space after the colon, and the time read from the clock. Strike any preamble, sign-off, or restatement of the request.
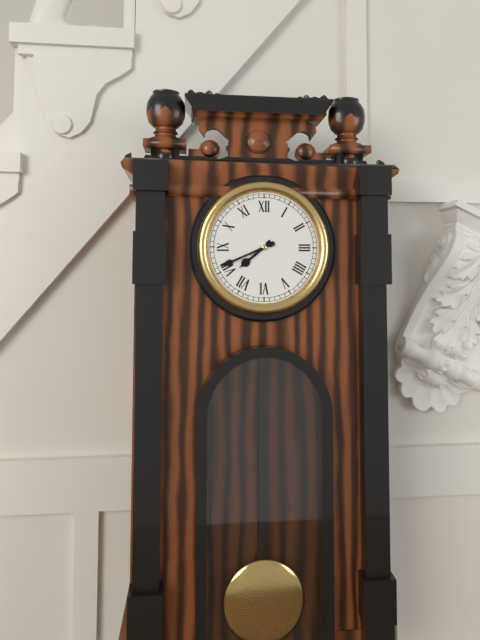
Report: 7:41
